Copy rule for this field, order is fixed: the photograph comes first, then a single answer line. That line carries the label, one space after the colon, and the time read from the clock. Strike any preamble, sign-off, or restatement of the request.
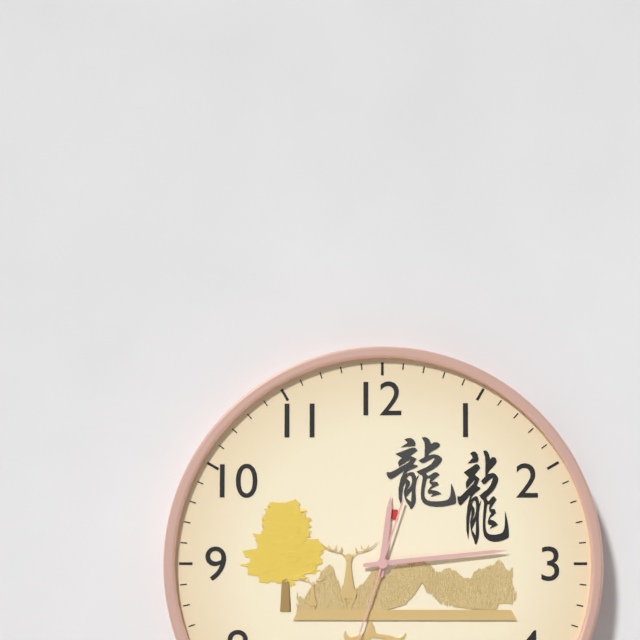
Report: 12:14
